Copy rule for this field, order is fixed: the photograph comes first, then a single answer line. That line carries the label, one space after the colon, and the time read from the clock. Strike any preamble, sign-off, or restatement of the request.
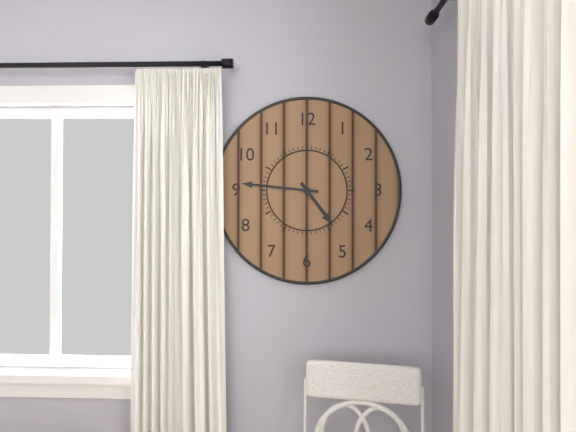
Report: 4:46
